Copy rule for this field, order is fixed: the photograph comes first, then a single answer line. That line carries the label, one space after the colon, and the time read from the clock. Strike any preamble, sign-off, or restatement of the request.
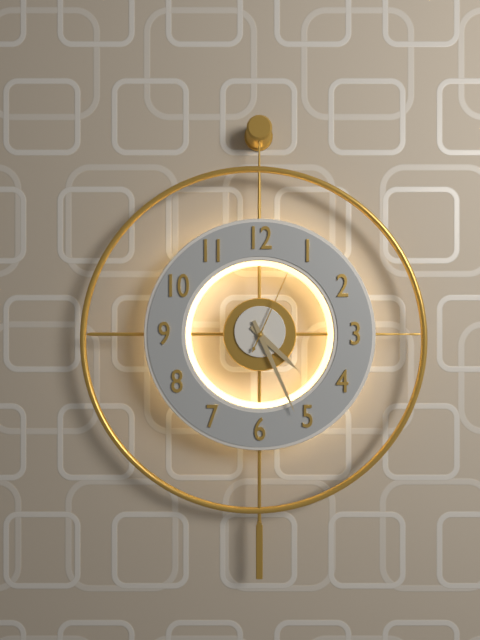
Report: 4:26:04
